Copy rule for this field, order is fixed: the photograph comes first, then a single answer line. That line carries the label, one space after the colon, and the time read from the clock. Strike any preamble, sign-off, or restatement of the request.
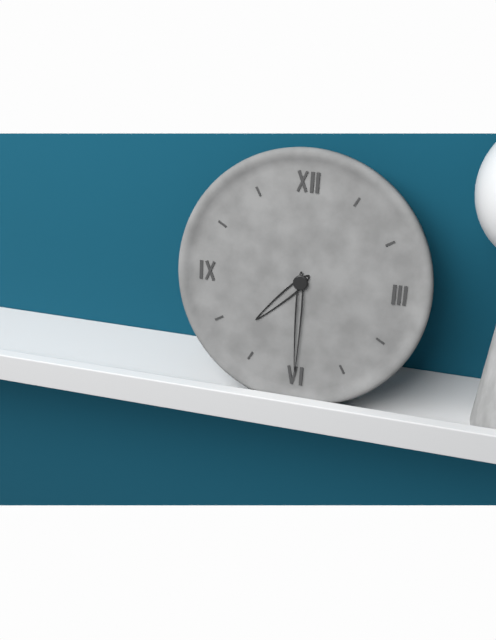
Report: 7:30
